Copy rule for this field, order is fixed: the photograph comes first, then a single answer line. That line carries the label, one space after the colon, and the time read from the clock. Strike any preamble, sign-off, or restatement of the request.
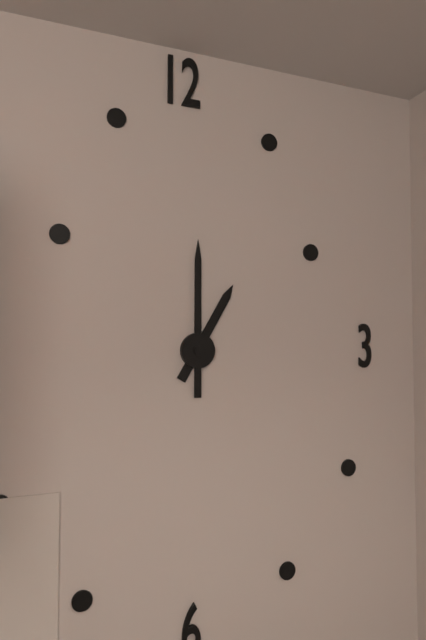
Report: 1:00
